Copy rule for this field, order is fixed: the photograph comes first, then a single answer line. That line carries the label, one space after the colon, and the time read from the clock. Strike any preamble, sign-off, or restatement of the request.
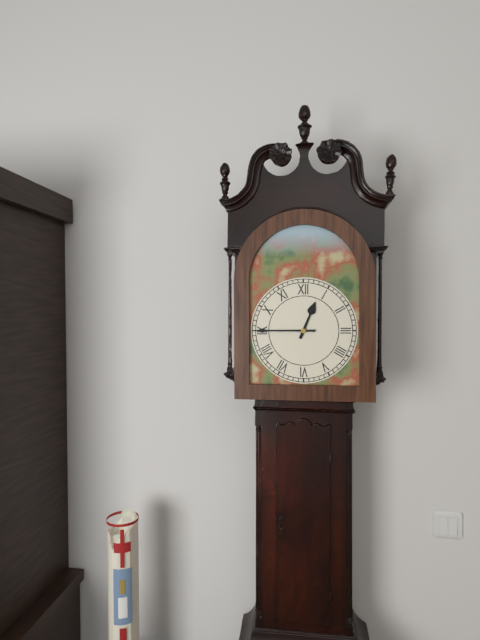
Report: 12:45
